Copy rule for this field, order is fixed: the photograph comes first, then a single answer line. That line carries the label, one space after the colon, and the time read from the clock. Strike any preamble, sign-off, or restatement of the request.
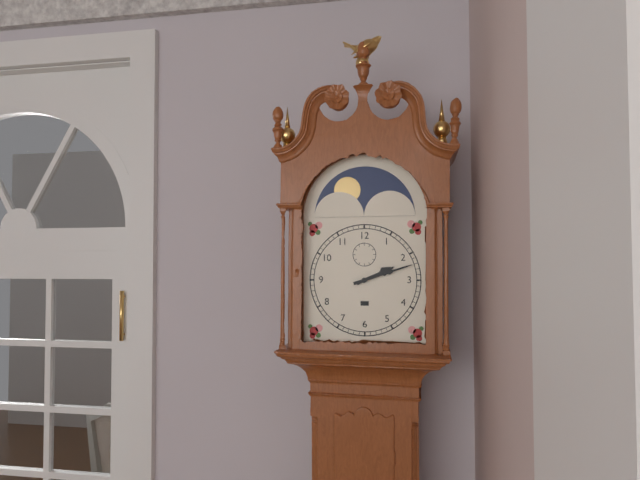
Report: 2:12
